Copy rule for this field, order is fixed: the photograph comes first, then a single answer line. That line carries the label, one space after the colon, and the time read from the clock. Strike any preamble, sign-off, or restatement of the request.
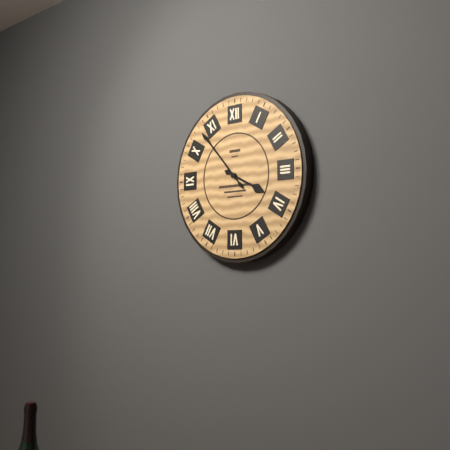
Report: 3:53
